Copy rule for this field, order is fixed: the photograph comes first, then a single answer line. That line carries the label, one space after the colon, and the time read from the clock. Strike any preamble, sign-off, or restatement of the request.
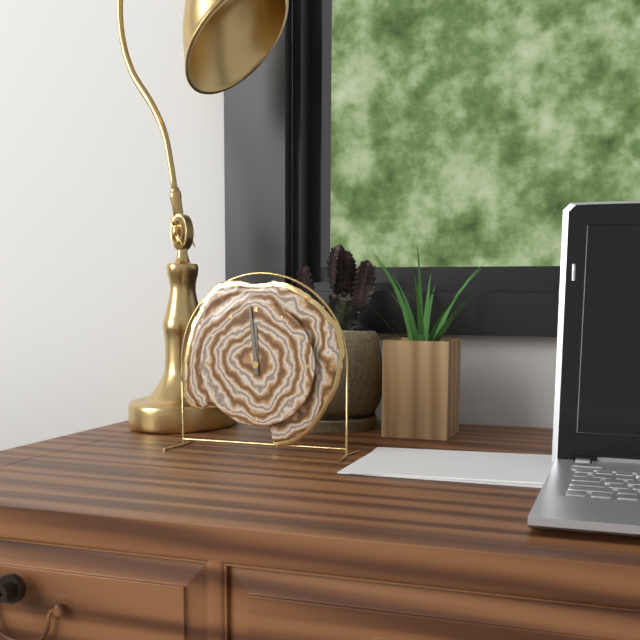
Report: 11:59
